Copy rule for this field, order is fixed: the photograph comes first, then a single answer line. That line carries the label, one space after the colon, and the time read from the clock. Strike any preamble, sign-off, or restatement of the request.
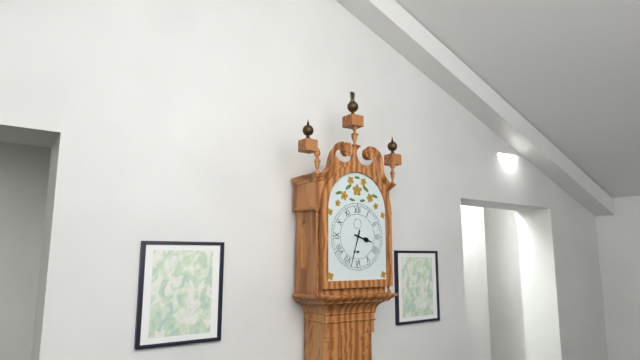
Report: 3:33
